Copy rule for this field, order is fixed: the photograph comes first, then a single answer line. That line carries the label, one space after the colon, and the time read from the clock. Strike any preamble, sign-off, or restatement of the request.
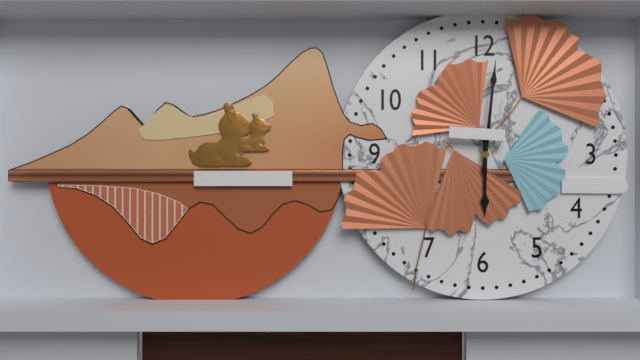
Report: 6:01
